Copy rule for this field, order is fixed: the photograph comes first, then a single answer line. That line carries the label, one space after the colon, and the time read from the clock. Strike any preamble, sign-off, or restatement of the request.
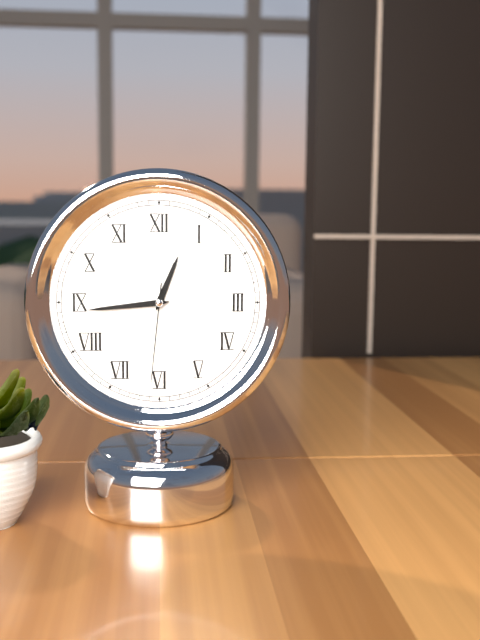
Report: 12:44:31
